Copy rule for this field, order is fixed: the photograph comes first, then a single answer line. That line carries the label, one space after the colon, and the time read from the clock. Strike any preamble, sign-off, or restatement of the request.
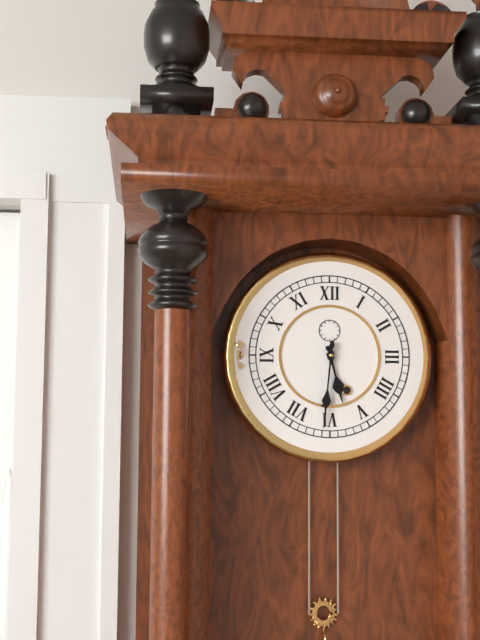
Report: 5:31
